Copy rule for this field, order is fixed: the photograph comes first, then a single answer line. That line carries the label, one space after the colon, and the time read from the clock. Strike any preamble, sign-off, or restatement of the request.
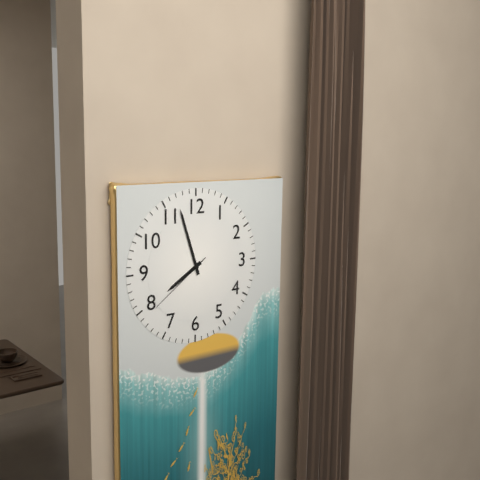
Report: 7:57:39
